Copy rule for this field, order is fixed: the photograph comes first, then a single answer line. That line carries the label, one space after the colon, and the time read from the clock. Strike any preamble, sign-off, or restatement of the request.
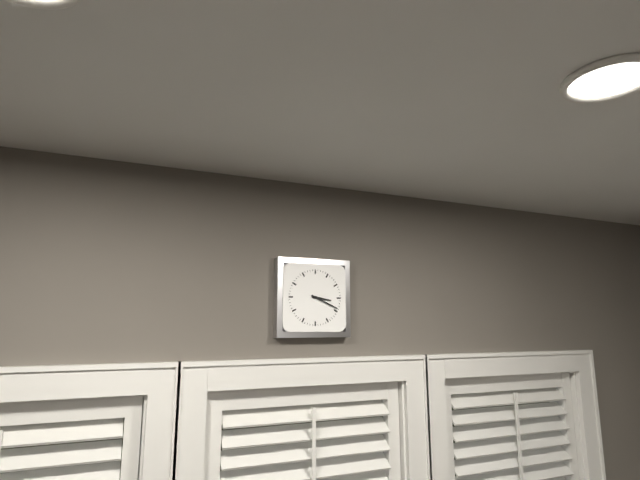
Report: 3:19
